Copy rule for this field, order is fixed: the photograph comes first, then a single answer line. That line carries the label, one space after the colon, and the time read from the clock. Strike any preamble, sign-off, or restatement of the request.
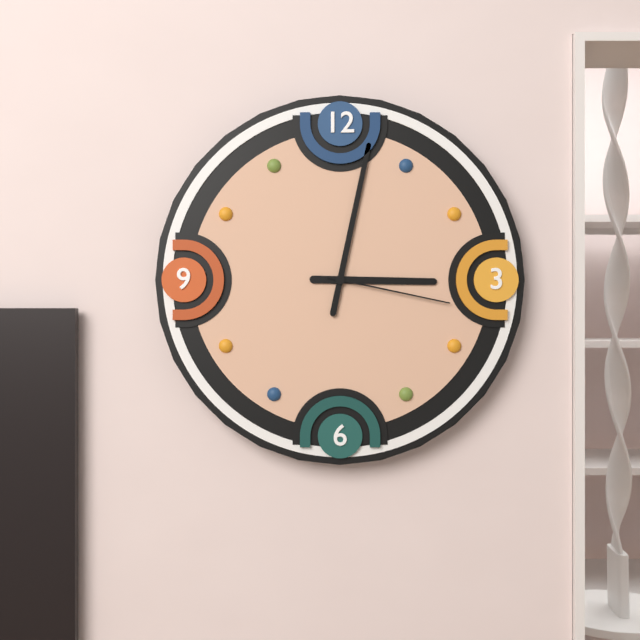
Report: 3:02:17
